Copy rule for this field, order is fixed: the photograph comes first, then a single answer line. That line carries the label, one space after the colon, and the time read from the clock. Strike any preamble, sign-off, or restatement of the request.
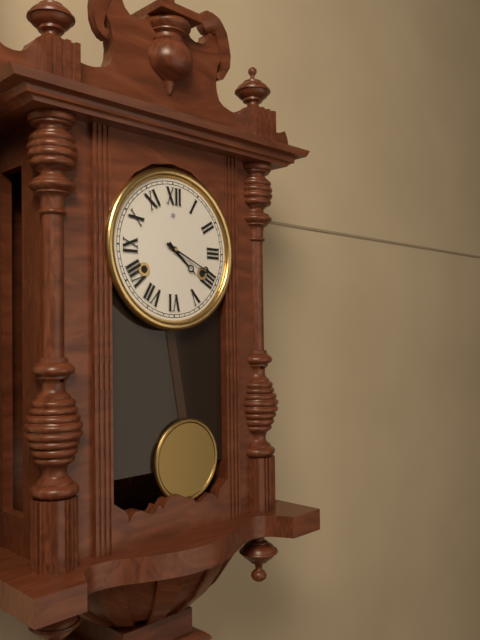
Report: 4:19
